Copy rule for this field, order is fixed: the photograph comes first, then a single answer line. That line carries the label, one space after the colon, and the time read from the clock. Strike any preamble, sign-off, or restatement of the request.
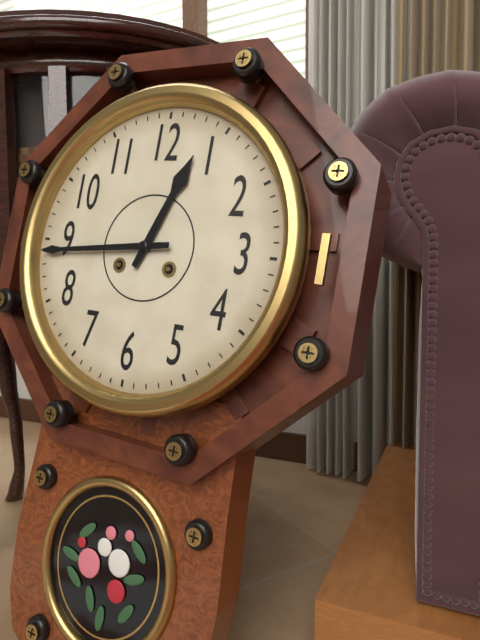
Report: 12:44
